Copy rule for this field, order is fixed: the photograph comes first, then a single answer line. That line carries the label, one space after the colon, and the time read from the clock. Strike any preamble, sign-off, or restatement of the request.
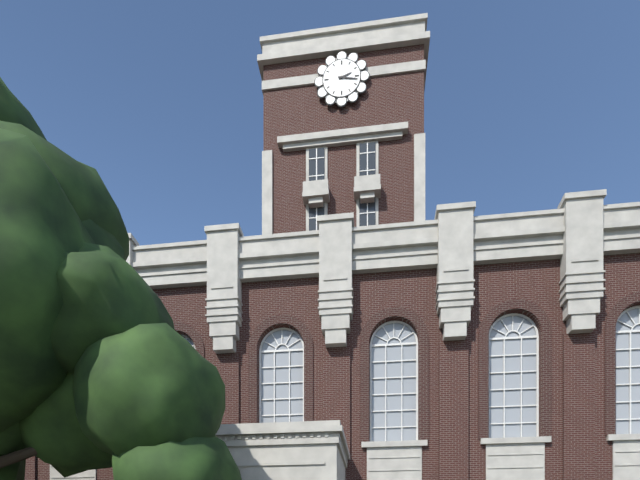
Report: 2:17
